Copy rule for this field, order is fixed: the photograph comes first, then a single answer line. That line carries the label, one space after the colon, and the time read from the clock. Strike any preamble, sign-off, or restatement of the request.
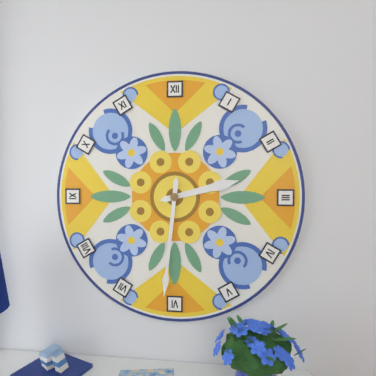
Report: 2:31
